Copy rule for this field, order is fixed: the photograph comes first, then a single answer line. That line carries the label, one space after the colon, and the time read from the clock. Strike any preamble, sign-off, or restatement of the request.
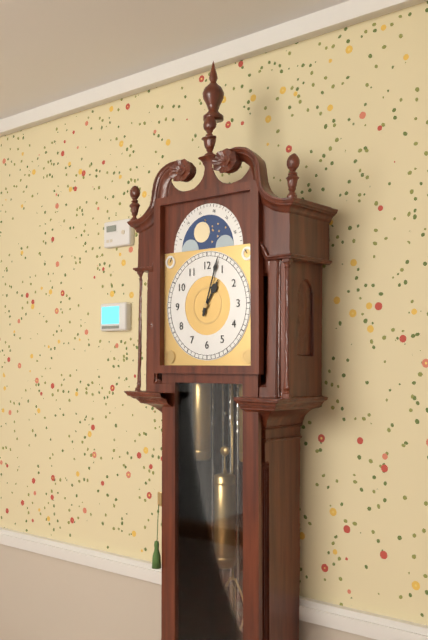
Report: 1:03
